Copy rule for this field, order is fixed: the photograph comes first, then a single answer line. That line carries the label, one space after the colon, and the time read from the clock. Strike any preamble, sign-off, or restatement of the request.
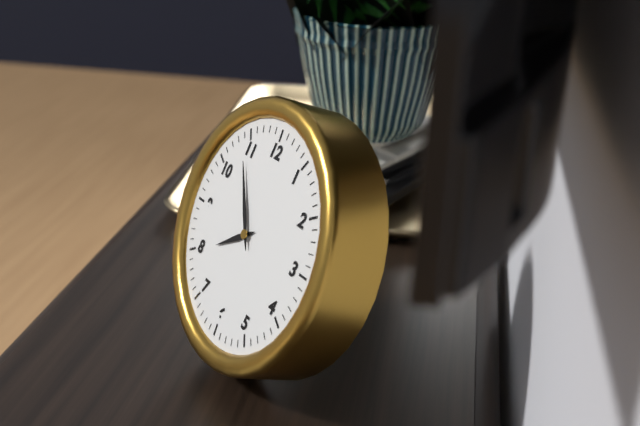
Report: 7:54
